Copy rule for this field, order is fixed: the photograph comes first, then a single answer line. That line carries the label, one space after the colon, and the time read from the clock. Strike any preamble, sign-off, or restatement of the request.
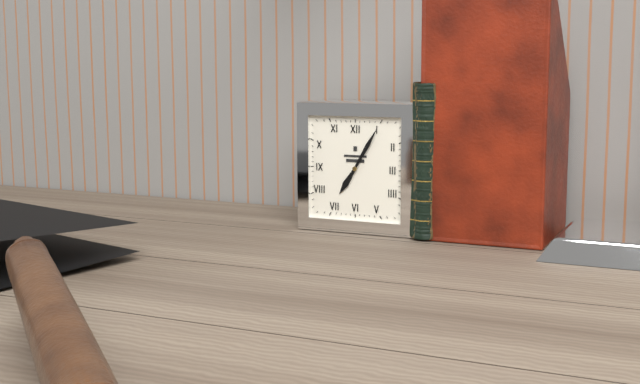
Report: 7:05
